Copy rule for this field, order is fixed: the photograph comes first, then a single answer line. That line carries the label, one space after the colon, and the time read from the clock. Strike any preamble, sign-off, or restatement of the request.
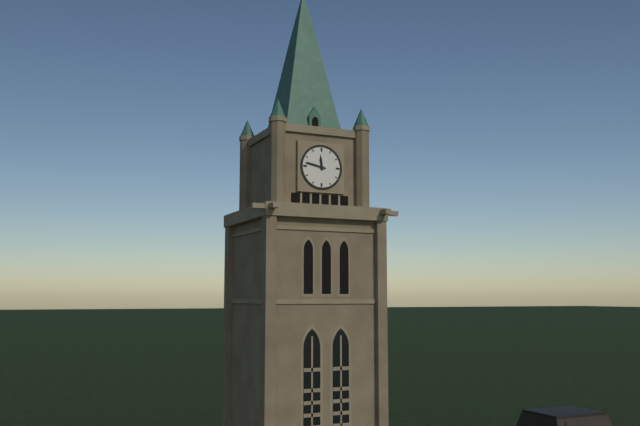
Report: 11:47
